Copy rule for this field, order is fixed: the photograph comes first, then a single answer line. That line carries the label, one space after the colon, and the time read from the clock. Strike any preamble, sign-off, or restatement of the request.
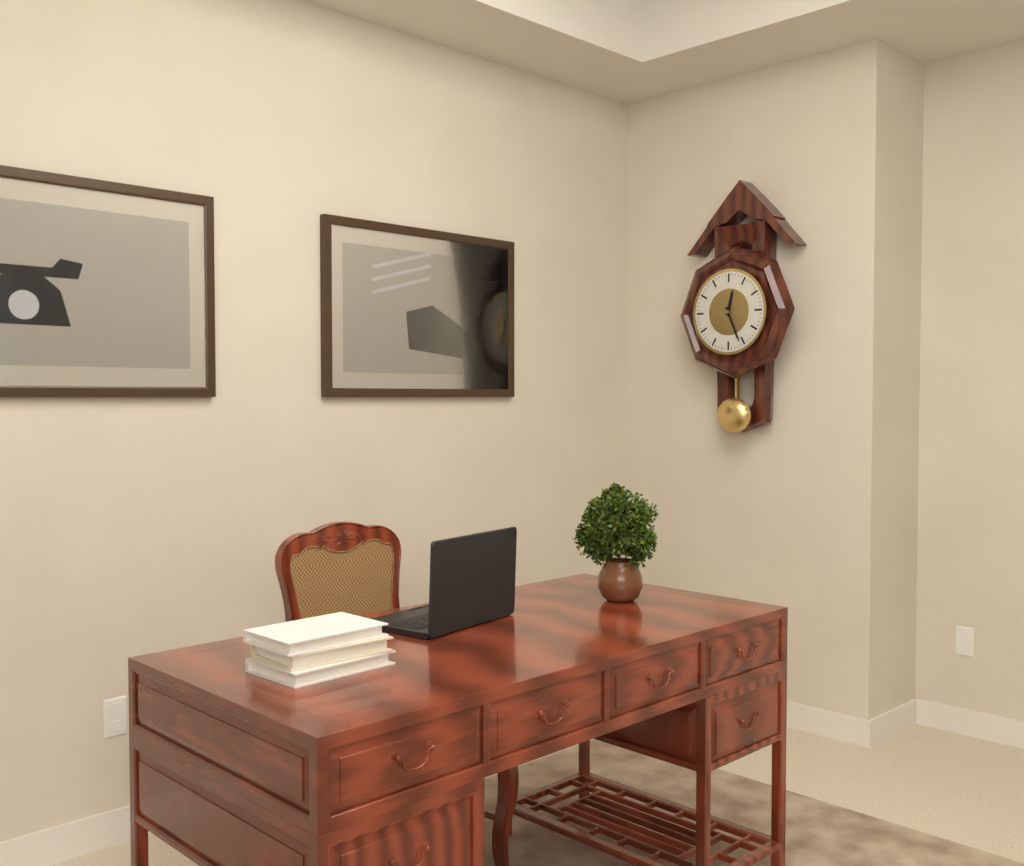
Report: 12:26
